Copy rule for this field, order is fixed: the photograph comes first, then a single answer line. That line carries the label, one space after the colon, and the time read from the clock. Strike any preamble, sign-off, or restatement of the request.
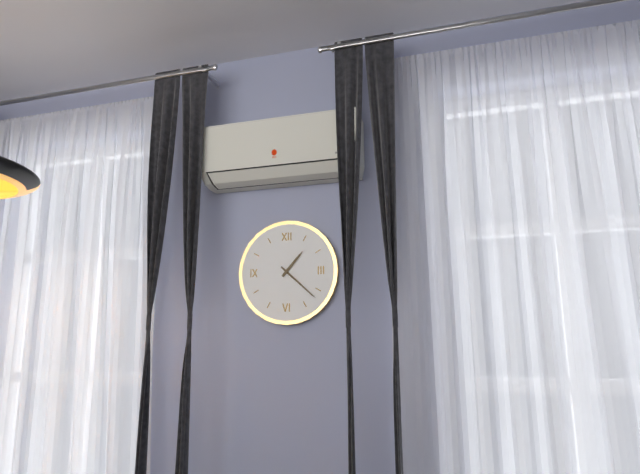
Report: 1:22
